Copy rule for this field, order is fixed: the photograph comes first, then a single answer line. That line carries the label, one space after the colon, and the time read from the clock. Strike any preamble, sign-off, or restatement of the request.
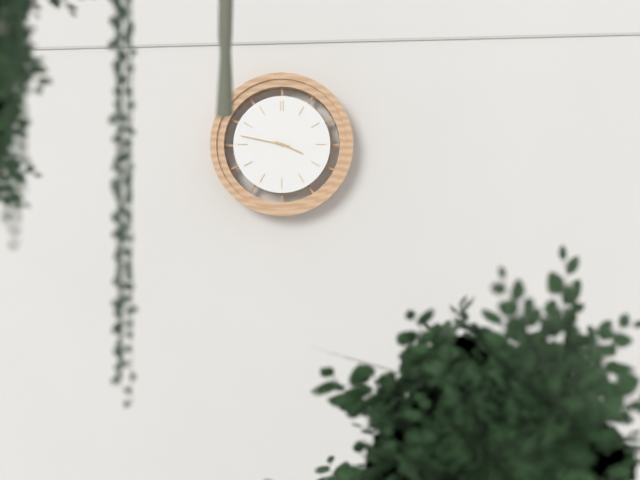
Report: 3:47
